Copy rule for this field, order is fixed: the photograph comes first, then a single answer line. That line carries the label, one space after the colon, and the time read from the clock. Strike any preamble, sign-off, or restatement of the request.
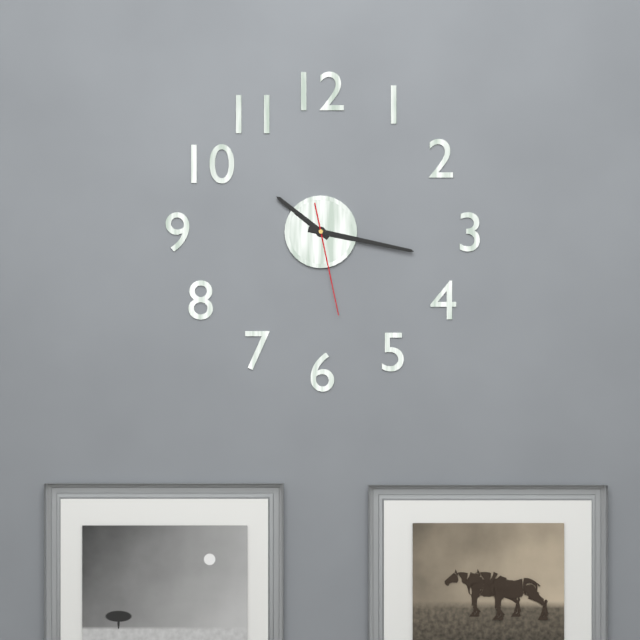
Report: 10:17:28
